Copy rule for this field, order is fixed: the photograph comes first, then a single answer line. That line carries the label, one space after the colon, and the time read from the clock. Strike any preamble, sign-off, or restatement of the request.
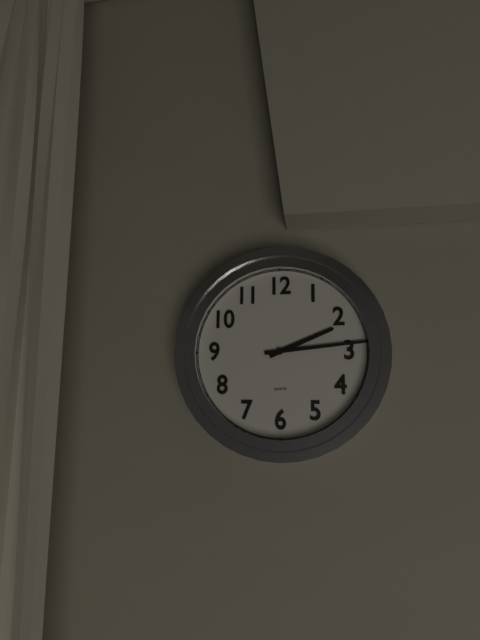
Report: 2:14
